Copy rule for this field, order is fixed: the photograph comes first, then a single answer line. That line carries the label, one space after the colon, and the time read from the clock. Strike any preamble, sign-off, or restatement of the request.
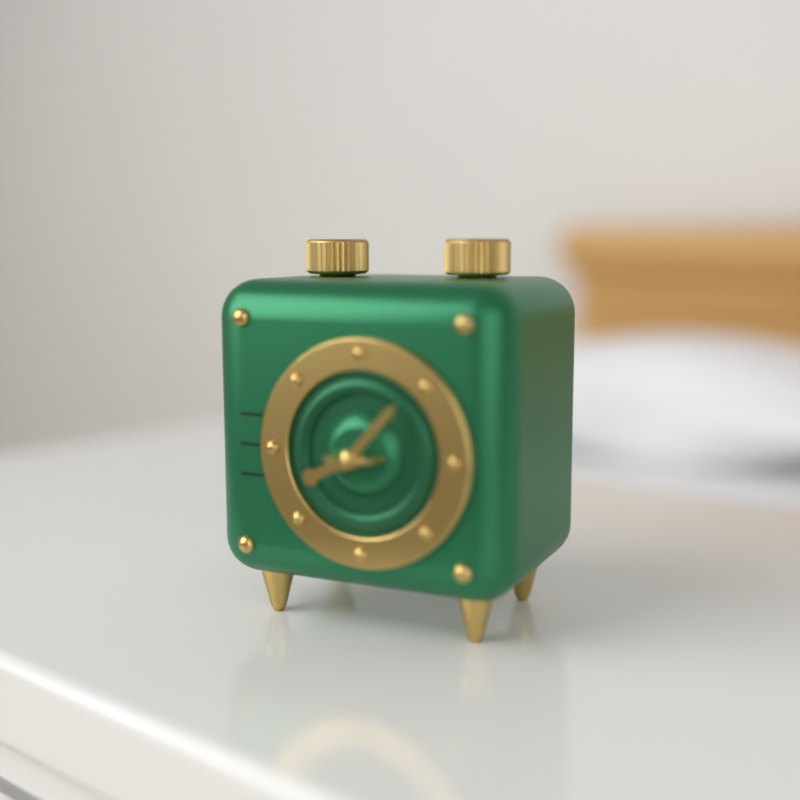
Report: 8:07
